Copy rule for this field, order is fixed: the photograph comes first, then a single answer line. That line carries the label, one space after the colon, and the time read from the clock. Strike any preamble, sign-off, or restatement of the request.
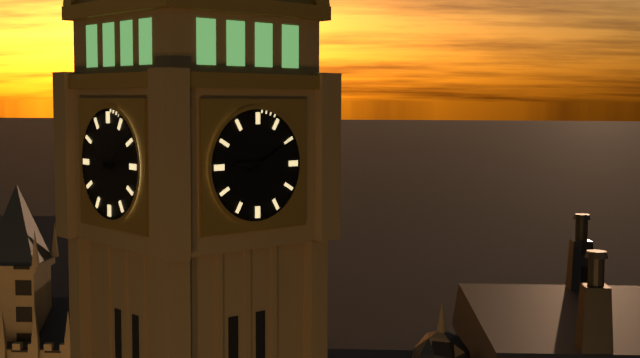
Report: 9:10
